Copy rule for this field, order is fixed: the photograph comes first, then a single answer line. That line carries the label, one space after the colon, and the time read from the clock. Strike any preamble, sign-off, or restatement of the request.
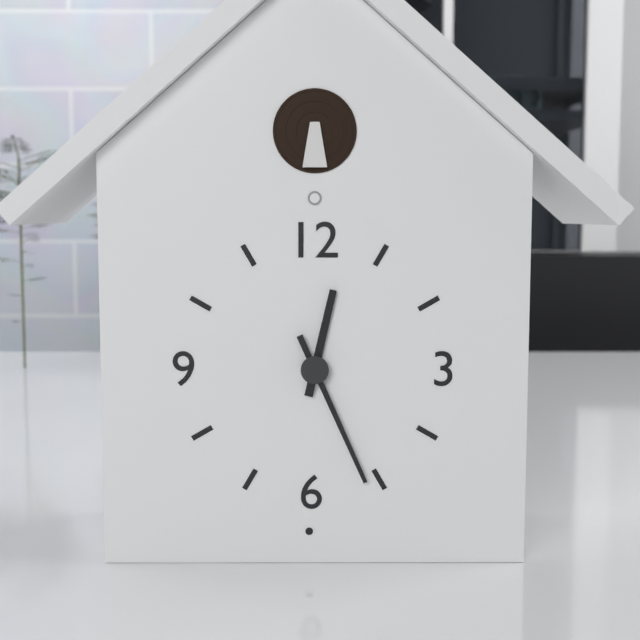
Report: 12:26
